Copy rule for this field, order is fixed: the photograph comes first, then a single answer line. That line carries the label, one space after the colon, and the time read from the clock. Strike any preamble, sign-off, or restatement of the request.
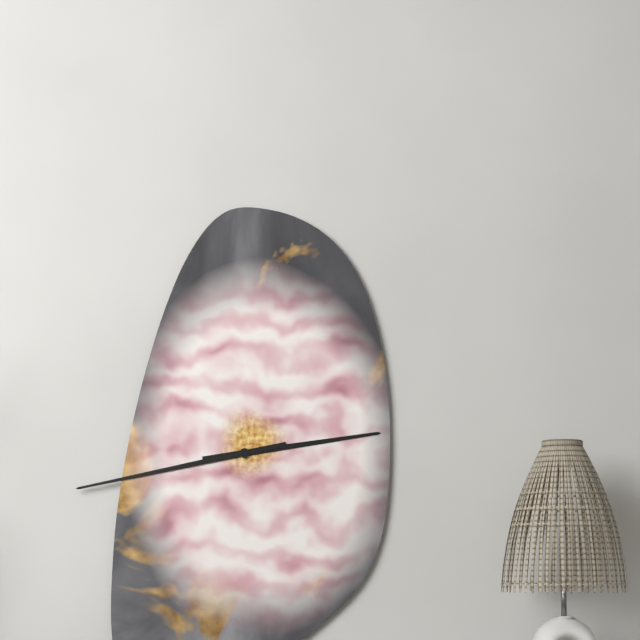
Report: 2:43
